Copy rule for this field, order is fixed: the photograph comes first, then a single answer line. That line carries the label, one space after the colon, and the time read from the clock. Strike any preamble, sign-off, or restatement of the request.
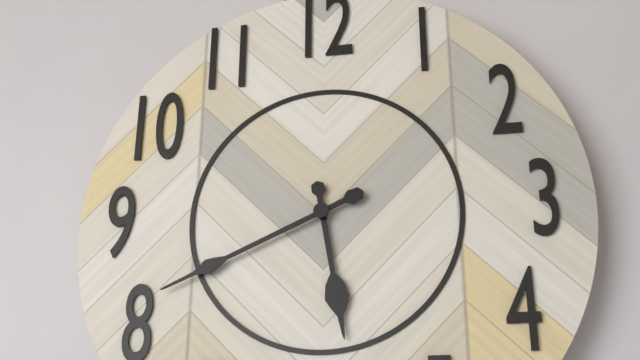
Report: 5:41
